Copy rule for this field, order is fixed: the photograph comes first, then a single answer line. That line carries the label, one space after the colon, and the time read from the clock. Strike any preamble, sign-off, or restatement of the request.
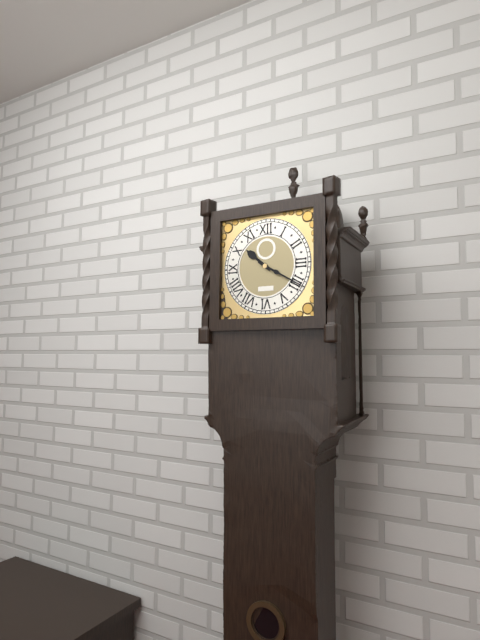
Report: 10:20
